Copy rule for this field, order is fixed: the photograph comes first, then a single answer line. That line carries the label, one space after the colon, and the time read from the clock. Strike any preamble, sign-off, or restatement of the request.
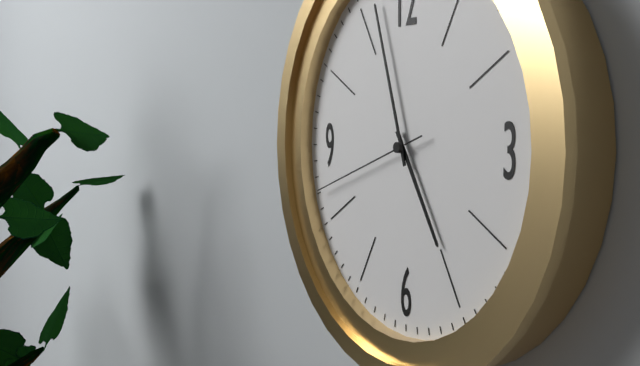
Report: 4:57:42
